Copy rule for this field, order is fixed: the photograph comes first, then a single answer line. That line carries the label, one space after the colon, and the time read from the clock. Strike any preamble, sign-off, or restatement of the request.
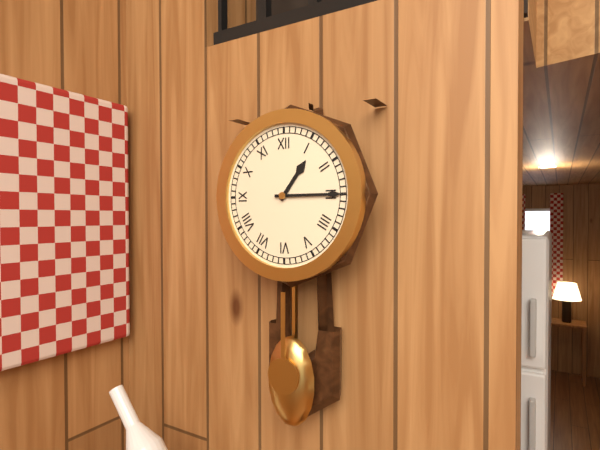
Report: 1:15
